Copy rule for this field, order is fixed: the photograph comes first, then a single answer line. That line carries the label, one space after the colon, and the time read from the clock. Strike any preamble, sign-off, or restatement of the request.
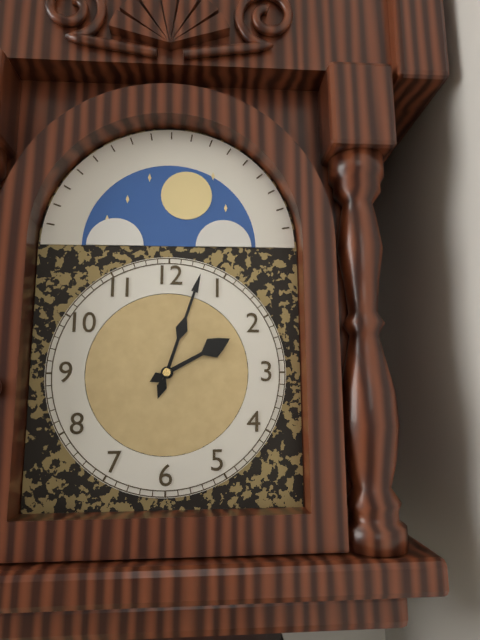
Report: 2:03
